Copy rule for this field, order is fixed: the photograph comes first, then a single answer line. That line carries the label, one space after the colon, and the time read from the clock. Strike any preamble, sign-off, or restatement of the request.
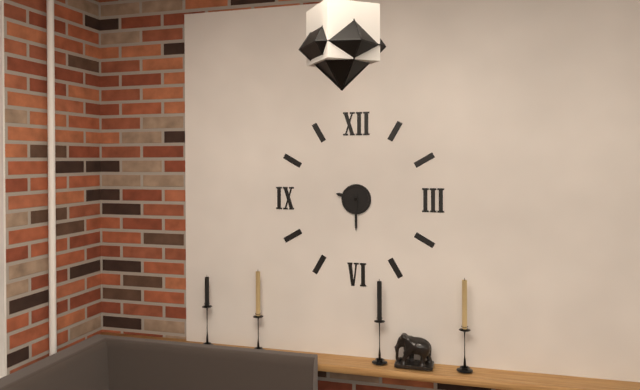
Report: 9:30
